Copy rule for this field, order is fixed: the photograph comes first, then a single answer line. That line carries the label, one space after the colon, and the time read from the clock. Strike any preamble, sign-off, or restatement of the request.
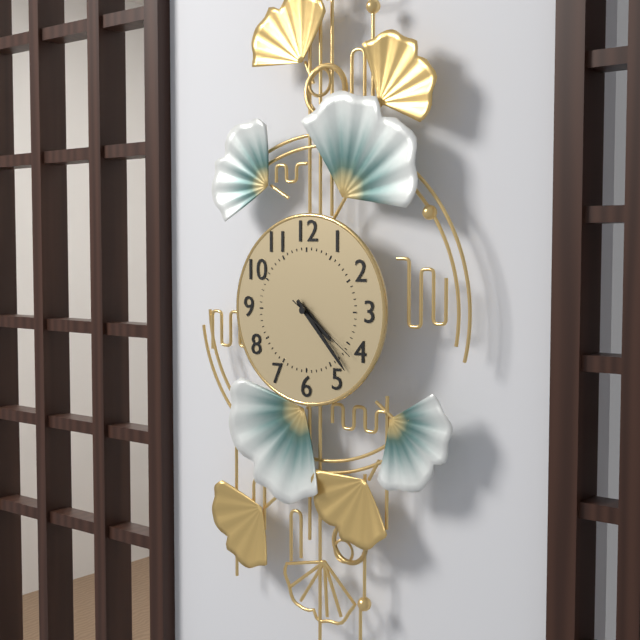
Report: 4:23:21
